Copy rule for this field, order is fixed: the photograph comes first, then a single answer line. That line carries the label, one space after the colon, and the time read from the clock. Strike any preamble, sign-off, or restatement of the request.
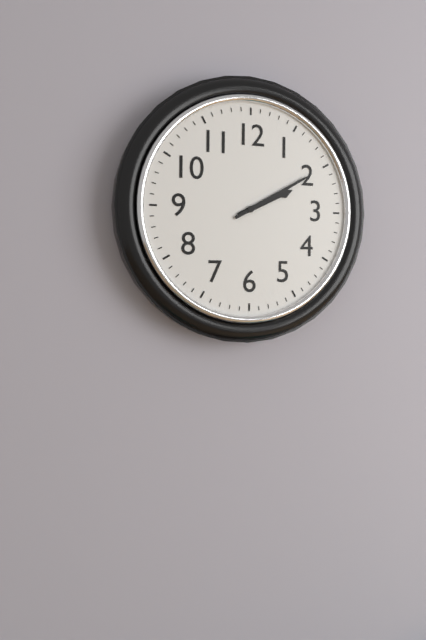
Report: 2:10
